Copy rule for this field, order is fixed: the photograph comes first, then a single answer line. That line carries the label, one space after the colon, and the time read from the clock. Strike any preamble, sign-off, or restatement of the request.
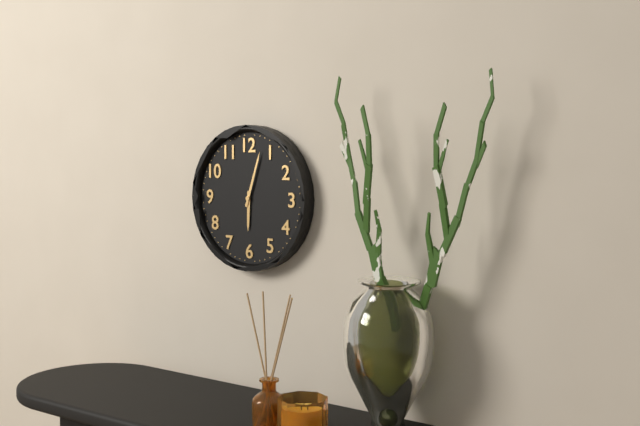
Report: 6:03
